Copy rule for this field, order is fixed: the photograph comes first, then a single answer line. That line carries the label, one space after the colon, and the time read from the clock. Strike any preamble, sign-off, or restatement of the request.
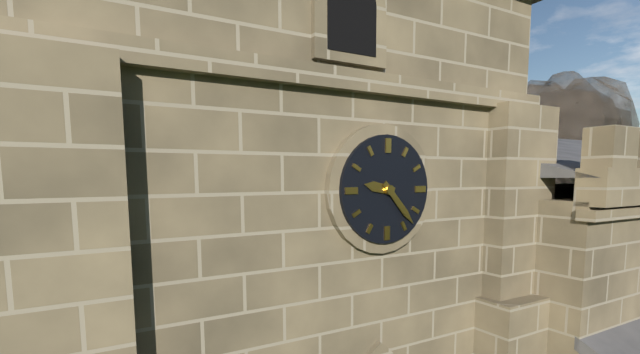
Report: 9:23
